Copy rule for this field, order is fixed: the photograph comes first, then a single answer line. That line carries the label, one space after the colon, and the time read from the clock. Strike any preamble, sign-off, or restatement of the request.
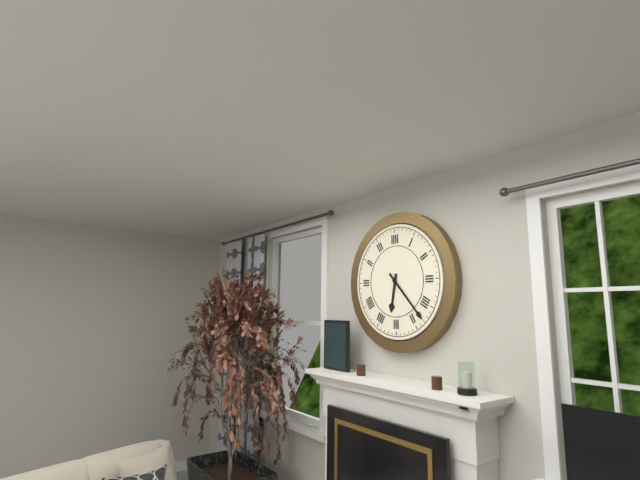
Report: 6:23
